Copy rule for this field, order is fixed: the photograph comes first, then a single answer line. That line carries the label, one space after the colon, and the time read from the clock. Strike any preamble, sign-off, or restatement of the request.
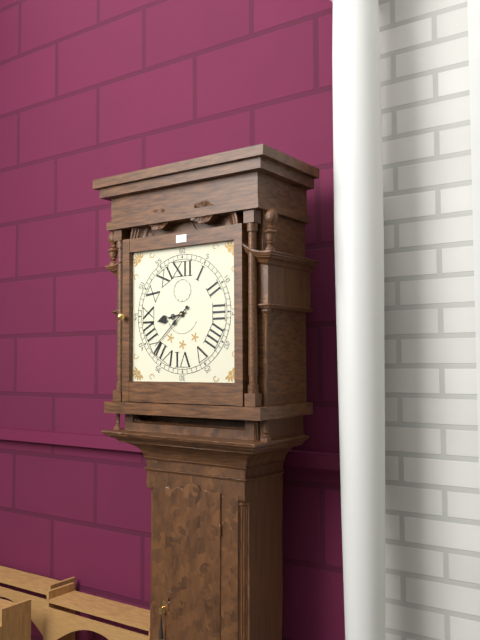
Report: 8:38
